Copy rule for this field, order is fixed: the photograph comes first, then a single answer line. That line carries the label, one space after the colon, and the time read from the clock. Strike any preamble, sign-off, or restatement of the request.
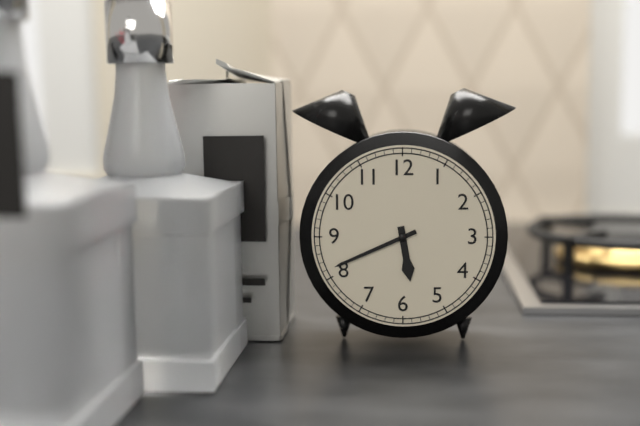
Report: 5:41
